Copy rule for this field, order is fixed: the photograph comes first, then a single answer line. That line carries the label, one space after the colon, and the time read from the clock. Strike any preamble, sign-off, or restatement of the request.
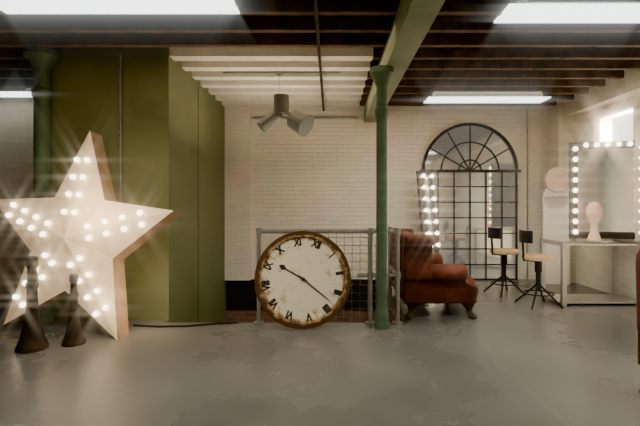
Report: 9:18
